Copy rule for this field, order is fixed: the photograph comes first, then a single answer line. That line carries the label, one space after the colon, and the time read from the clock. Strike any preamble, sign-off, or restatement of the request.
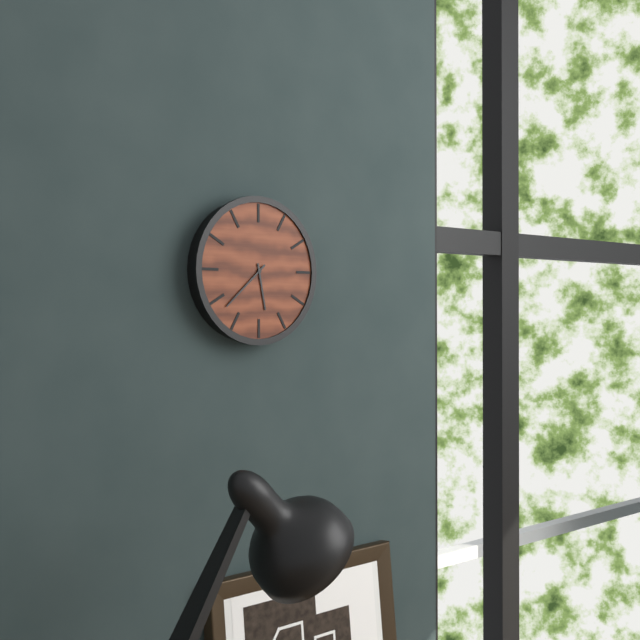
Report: 5:38
